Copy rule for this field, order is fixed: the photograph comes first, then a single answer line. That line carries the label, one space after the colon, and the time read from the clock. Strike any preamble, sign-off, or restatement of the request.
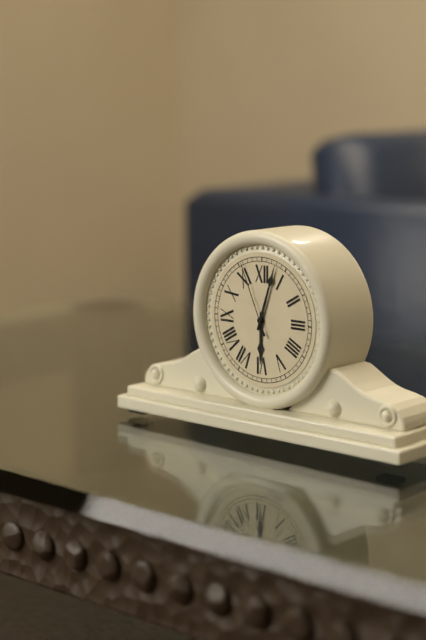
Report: 6:03:56
